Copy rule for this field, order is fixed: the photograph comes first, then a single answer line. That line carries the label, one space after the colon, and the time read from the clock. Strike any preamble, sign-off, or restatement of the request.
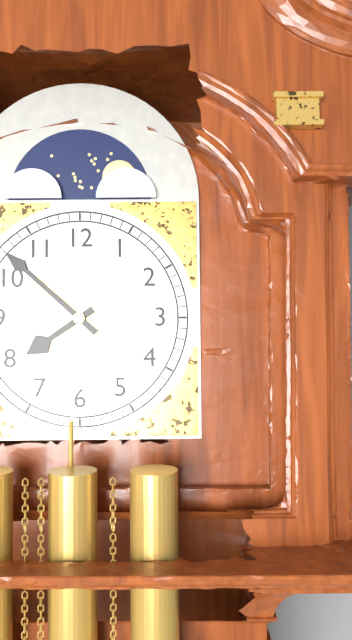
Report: 7:52
